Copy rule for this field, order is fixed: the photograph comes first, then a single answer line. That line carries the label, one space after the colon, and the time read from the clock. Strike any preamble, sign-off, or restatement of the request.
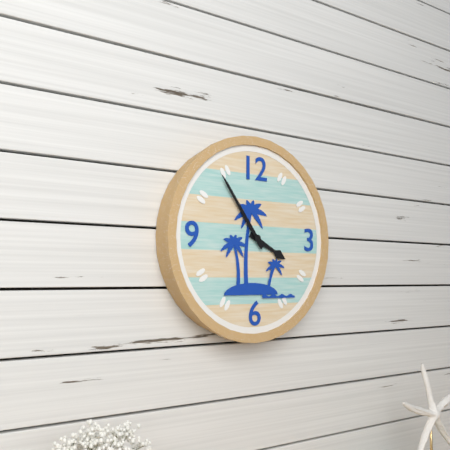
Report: 3:54
